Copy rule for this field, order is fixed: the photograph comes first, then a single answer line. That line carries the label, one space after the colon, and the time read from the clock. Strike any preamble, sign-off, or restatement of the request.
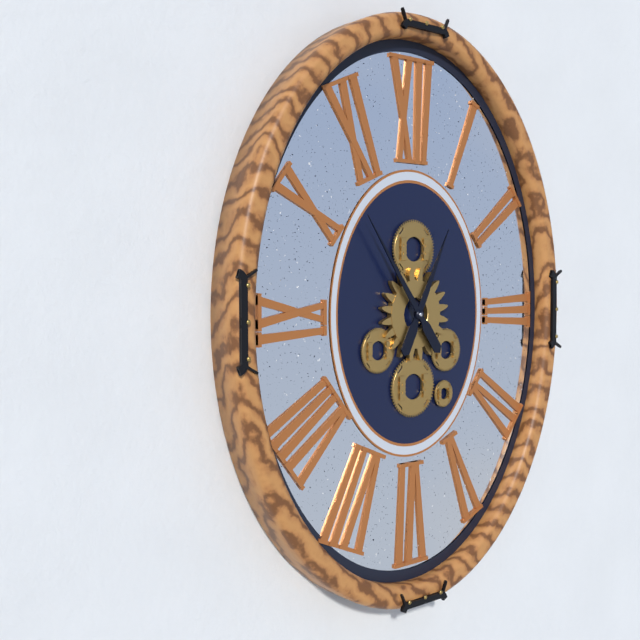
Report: 12:54
